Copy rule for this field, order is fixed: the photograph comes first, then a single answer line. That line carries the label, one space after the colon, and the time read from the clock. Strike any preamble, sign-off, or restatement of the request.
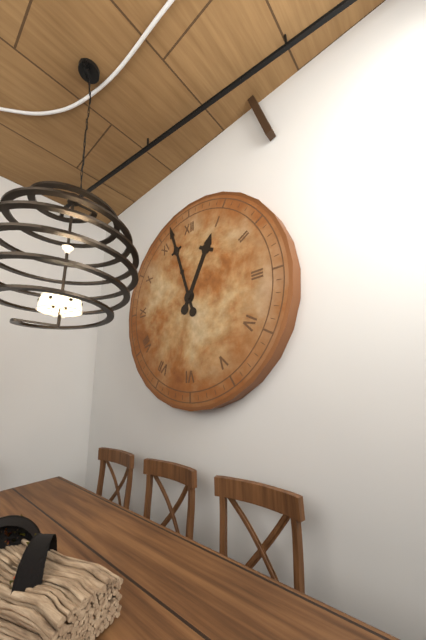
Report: 12:57
